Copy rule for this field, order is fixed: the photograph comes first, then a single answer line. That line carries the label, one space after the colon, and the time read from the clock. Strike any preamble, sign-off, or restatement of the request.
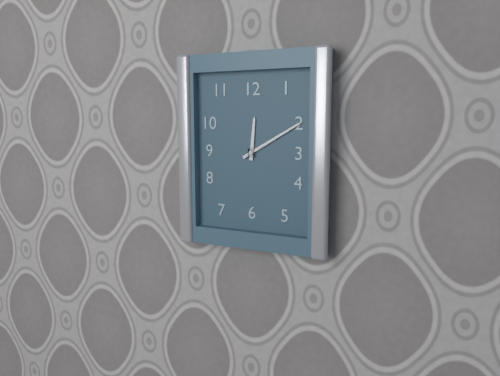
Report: 12:10
